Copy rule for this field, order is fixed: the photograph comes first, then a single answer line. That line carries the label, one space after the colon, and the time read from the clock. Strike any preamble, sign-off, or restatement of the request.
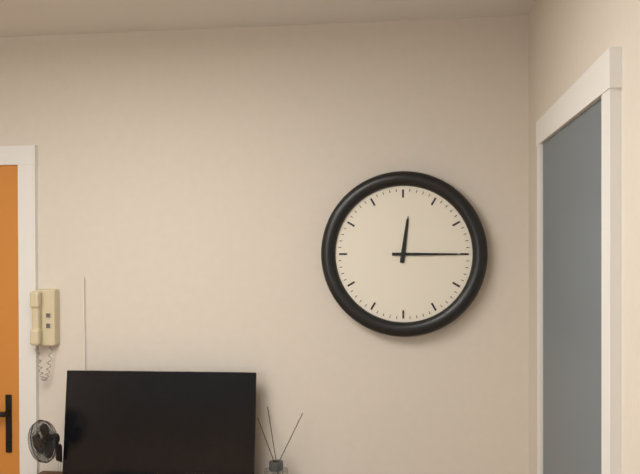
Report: 12:15
